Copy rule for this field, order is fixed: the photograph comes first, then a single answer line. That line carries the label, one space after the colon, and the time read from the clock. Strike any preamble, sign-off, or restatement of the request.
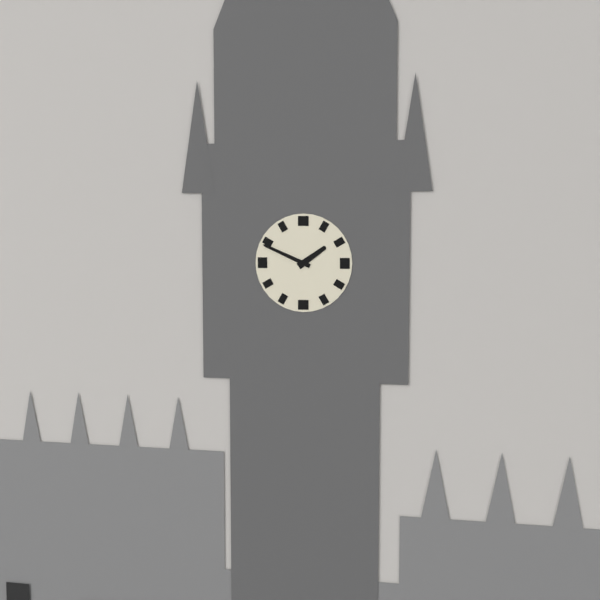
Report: 1:49
